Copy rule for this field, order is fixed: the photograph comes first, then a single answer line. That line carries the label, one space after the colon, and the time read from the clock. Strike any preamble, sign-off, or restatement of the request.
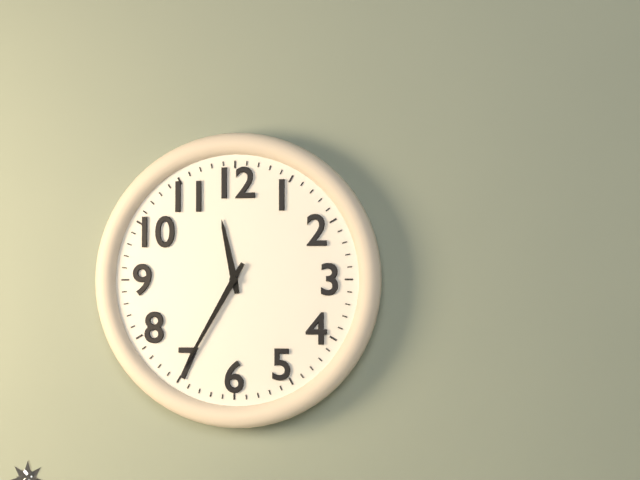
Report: 11:35
